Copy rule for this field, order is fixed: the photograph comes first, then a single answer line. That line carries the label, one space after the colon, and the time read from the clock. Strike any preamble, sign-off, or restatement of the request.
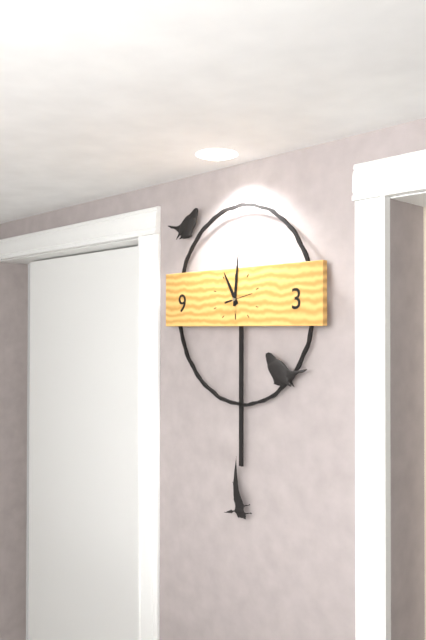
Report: 11:01
